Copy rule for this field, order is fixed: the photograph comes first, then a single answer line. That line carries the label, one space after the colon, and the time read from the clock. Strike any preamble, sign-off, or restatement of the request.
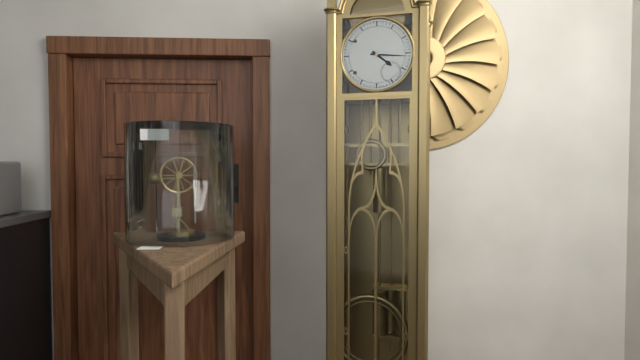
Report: 4:16
